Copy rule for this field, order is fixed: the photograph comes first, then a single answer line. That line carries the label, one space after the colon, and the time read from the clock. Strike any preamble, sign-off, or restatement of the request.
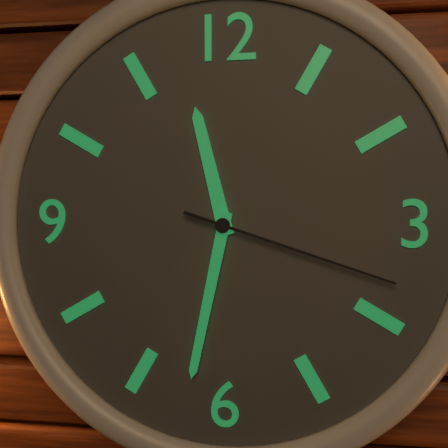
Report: 11:32:18
